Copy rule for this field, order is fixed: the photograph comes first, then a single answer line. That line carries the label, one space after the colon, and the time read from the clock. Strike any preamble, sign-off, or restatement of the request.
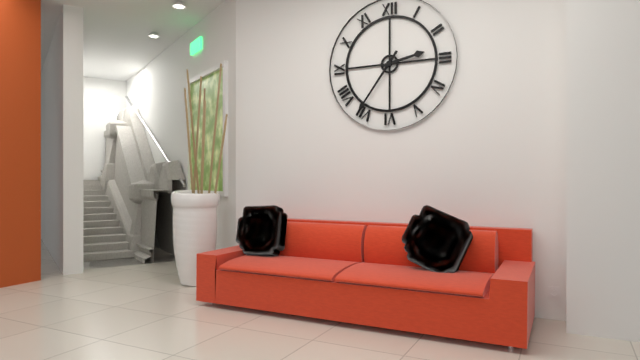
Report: 2:36
